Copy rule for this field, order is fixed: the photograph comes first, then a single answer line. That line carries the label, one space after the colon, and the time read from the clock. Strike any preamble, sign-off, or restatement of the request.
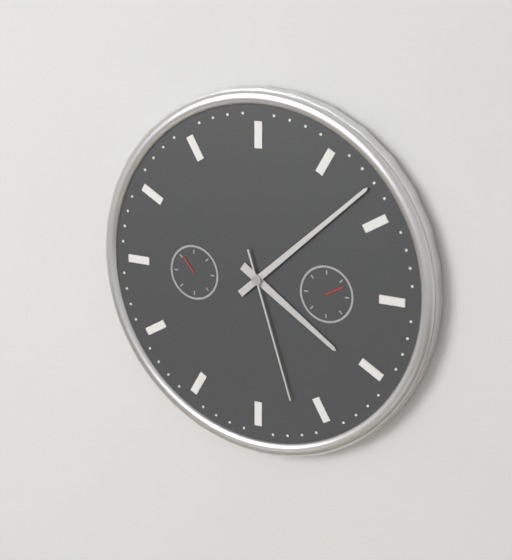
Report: 4:08:27
